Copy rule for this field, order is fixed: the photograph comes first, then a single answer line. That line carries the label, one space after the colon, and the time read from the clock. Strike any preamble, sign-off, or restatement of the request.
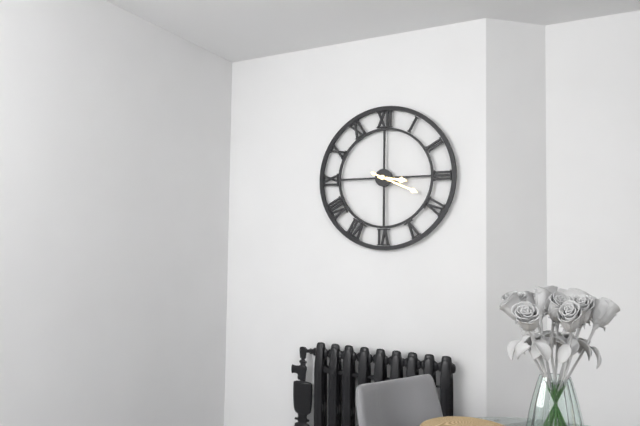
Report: 3:19
